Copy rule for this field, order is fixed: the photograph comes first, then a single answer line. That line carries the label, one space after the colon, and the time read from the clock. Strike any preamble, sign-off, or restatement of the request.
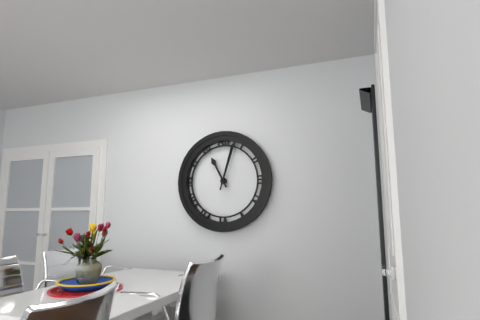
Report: 11:03
